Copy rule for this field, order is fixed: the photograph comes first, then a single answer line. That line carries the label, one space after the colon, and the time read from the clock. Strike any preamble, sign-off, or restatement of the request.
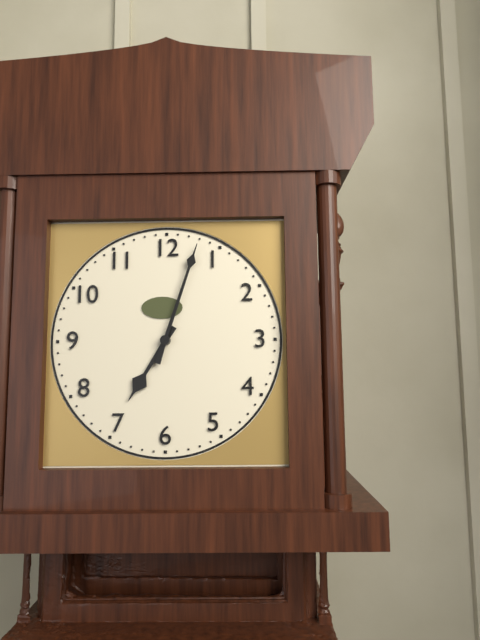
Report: 7:03
